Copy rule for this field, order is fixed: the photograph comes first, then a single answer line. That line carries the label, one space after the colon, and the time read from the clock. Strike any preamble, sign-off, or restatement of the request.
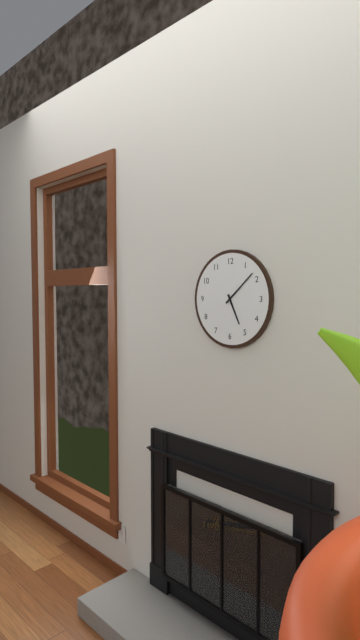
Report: 5:08
